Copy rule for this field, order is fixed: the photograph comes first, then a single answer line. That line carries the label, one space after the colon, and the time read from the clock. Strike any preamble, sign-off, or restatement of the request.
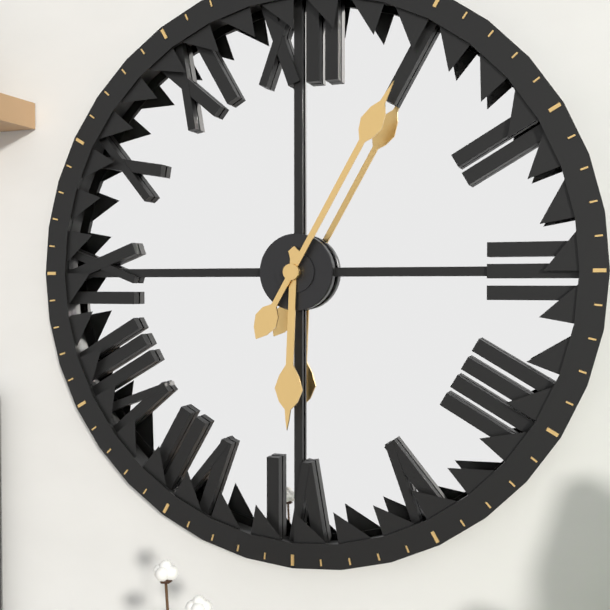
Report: 6:05
